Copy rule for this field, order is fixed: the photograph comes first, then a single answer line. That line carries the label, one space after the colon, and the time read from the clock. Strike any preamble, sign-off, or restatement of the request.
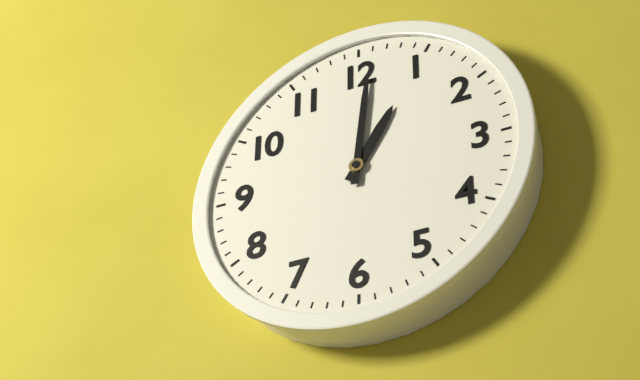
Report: 1:01
